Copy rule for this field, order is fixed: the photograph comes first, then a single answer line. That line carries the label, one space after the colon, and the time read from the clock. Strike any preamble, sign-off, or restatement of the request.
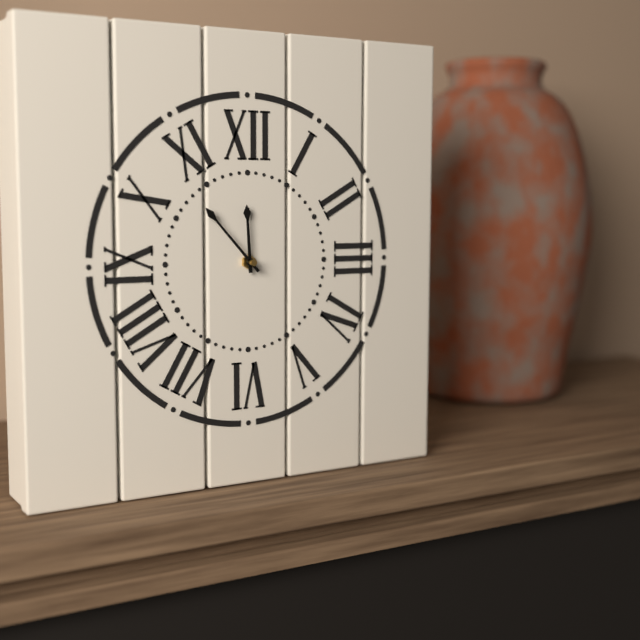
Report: 11:53
